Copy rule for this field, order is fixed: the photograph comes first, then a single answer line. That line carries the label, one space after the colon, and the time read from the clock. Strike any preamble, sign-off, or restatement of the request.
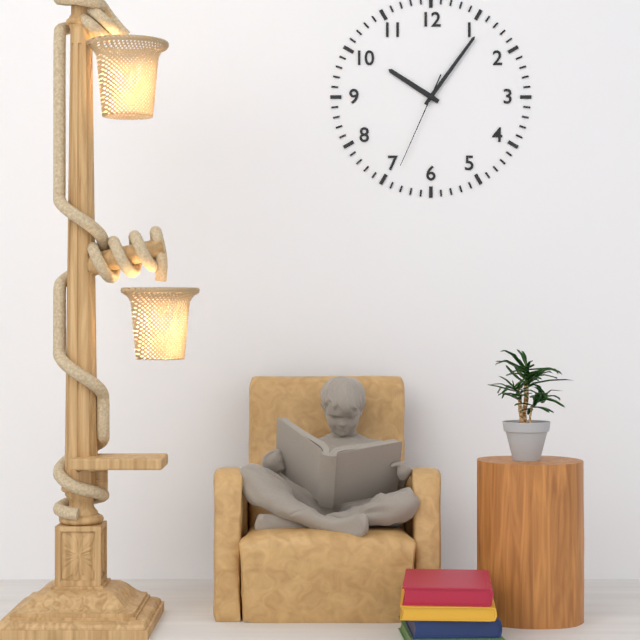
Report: 10:06:34
